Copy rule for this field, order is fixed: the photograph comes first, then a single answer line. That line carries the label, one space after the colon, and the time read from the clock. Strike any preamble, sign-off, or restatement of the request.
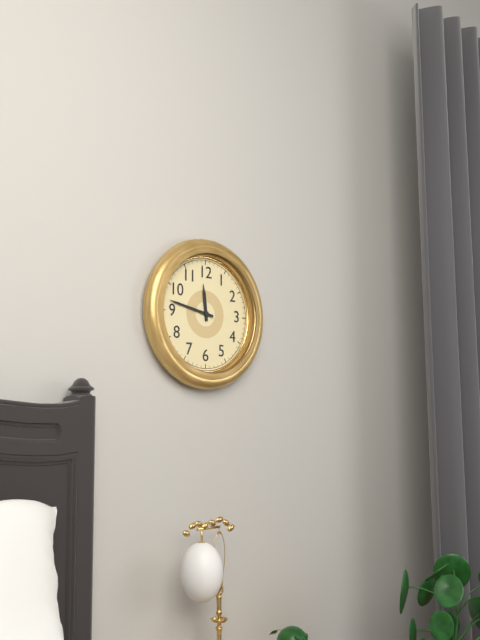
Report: 11:47
